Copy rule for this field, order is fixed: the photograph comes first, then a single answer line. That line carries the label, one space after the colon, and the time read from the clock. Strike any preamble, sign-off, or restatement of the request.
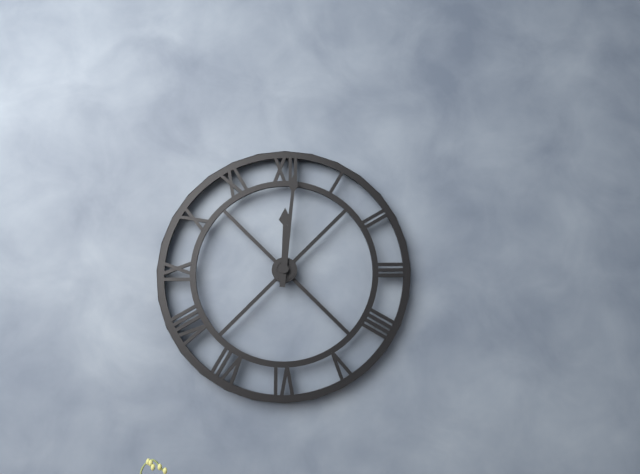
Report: 12:01
